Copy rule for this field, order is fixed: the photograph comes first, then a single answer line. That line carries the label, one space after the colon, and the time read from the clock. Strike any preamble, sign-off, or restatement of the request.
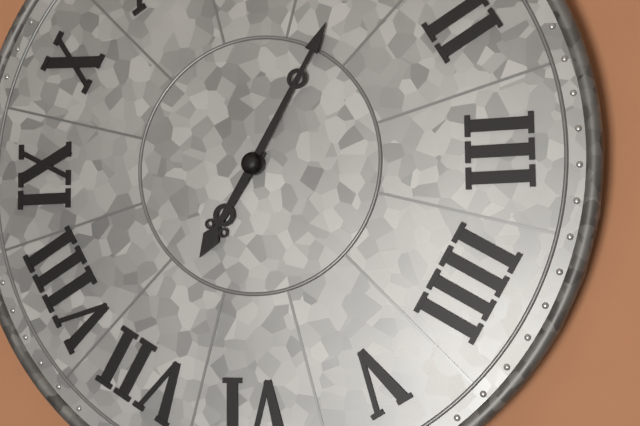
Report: 7:05
